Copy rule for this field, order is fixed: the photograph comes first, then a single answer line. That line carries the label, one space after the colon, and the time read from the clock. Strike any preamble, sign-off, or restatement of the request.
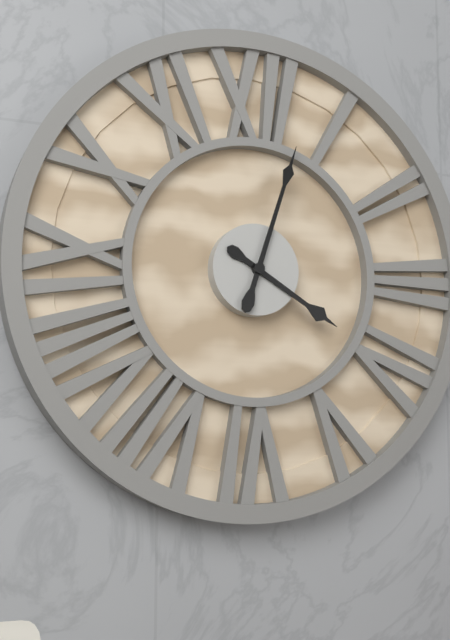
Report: 4:03
